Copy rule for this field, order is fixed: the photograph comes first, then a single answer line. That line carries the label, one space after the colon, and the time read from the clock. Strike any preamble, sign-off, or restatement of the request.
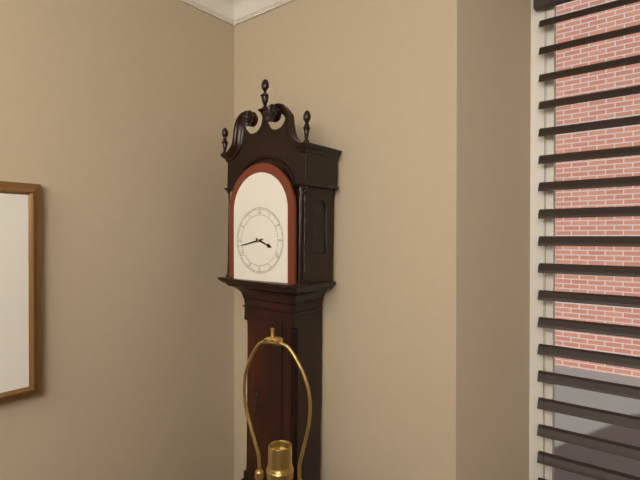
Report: 3:43
